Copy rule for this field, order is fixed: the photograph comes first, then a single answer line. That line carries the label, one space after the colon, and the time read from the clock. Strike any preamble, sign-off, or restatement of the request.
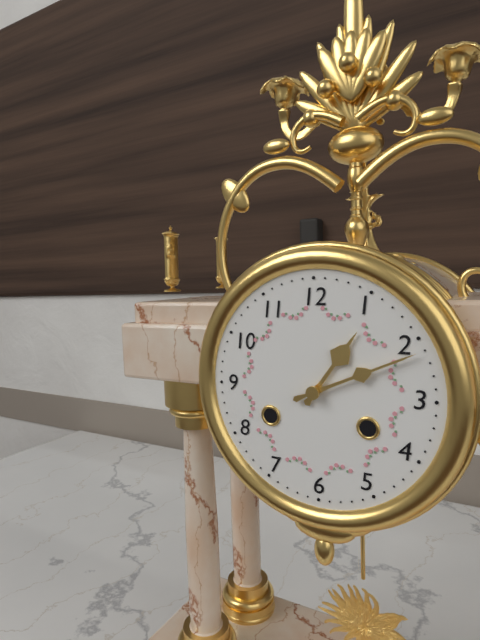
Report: 1:11
